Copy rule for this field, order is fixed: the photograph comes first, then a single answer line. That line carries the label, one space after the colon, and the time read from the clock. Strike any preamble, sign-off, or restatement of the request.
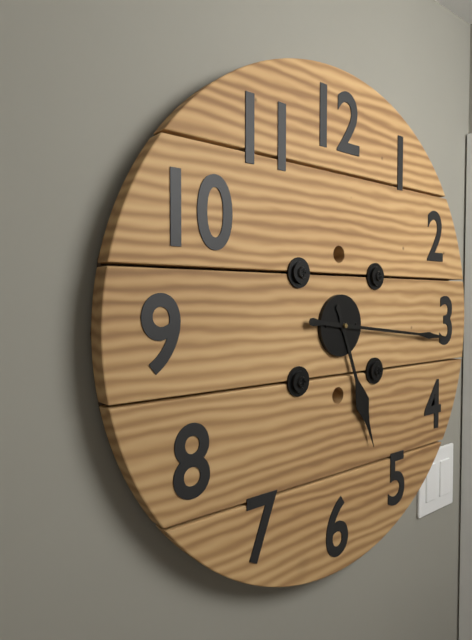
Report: 5:16
